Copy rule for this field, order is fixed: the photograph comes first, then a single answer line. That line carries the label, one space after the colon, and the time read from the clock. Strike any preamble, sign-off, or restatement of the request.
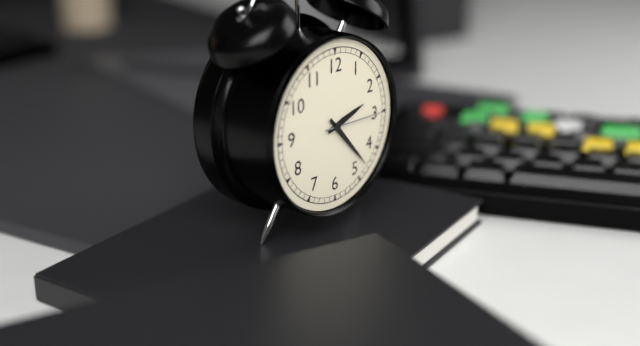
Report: 2:23:15
